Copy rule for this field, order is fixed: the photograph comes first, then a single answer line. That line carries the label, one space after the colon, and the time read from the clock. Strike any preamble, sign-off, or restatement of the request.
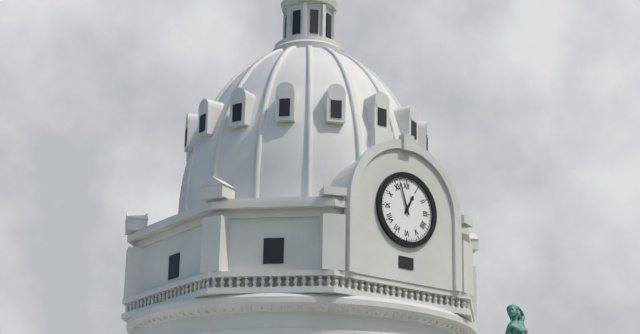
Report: 12:57
